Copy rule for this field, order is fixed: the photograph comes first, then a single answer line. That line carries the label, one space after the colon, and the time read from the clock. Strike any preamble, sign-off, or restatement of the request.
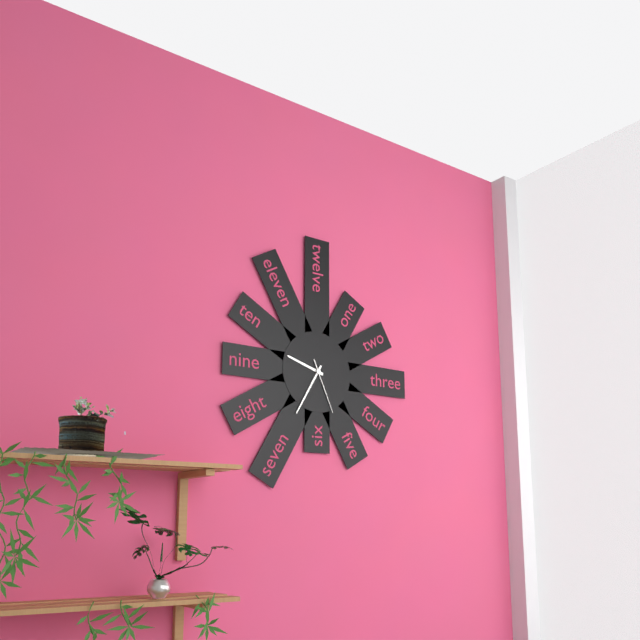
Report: 9:35:26
